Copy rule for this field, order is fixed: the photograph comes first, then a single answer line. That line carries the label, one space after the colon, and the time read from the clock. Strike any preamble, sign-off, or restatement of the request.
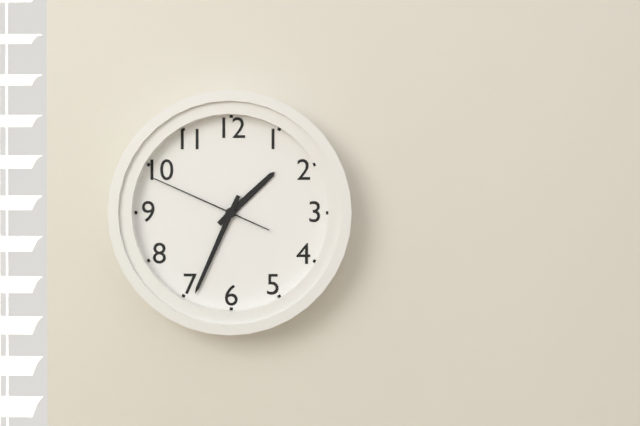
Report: 1:34:49
